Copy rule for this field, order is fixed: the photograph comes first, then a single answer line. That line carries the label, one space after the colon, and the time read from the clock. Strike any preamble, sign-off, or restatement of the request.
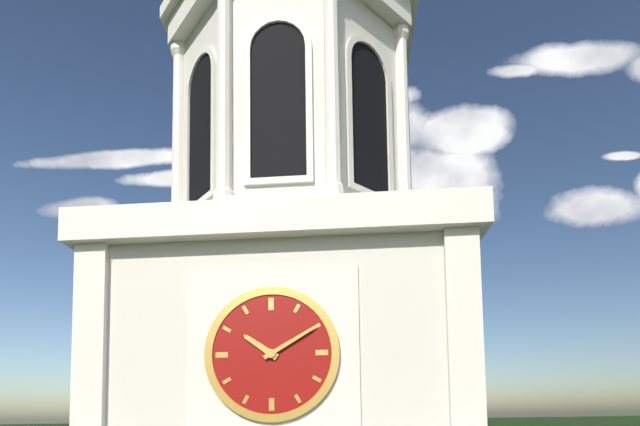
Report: 10:10
